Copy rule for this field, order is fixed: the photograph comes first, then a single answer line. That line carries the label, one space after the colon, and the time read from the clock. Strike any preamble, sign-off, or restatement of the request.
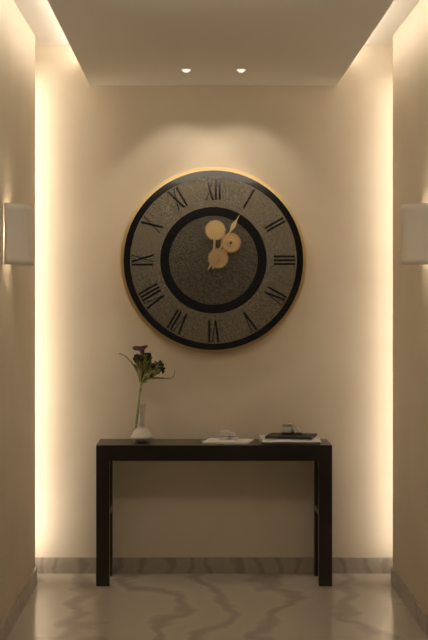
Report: 12:05
